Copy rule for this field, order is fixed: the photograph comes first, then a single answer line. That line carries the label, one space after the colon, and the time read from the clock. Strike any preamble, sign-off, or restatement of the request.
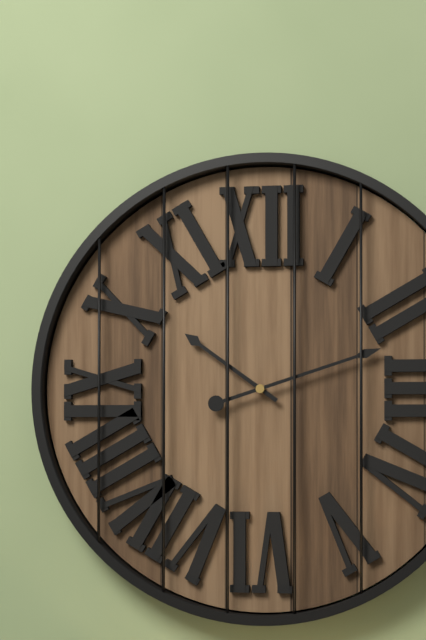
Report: 10:12
